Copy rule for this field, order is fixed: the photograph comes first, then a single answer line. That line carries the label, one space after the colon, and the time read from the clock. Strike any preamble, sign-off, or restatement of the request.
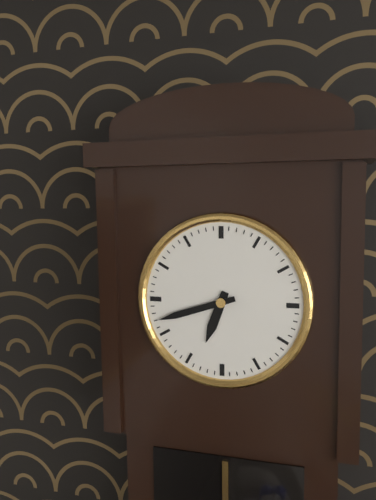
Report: 6:42
